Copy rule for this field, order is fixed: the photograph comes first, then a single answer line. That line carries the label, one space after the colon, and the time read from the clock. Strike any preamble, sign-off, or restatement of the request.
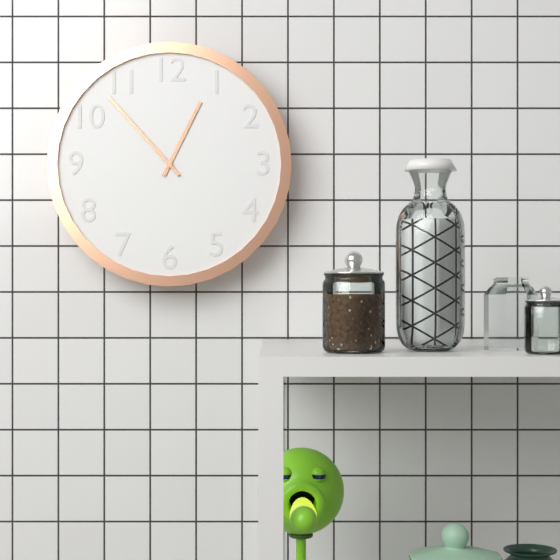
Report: 12:53
